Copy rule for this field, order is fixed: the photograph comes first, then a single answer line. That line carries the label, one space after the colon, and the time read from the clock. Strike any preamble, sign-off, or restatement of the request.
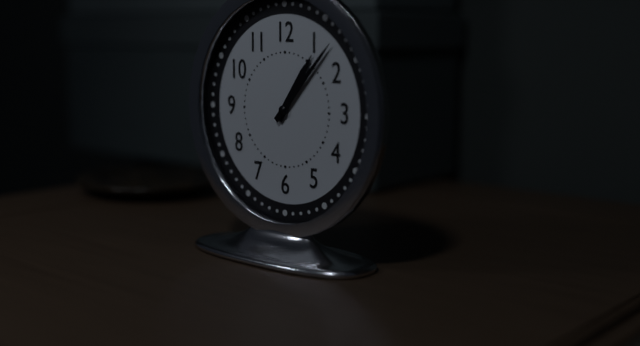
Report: 1:07
